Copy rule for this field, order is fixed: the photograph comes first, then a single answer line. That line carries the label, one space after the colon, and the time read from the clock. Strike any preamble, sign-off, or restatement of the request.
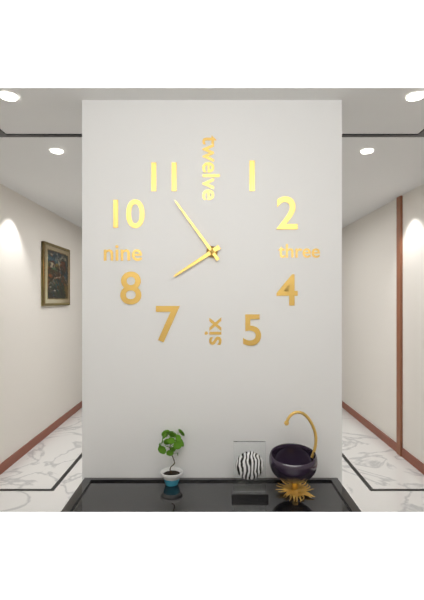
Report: 7:54
